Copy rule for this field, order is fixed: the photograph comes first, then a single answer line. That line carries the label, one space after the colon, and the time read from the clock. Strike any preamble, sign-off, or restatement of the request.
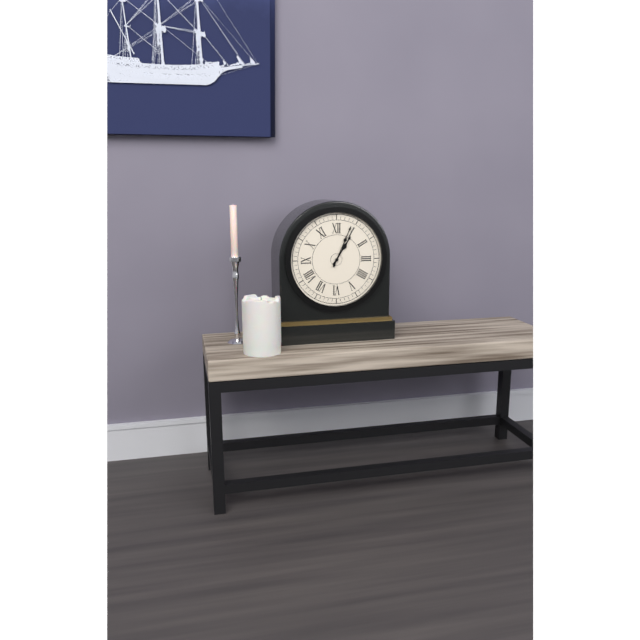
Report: 1:04
